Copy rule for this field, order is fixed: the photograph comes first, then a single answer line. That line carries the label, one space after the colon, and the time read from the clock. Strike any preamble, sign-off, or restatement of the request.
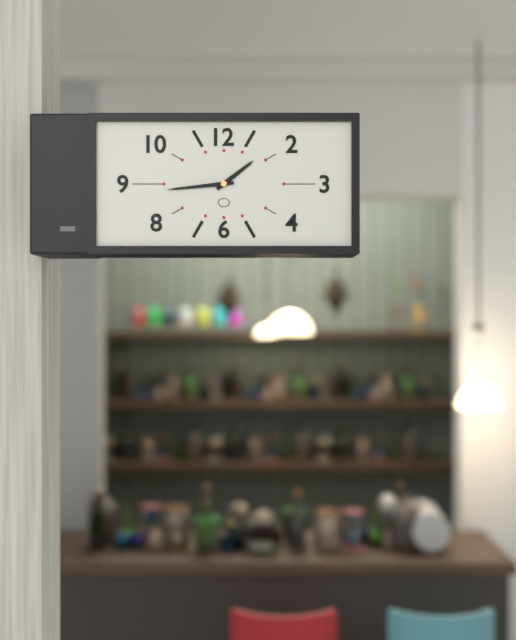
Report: 1:44
